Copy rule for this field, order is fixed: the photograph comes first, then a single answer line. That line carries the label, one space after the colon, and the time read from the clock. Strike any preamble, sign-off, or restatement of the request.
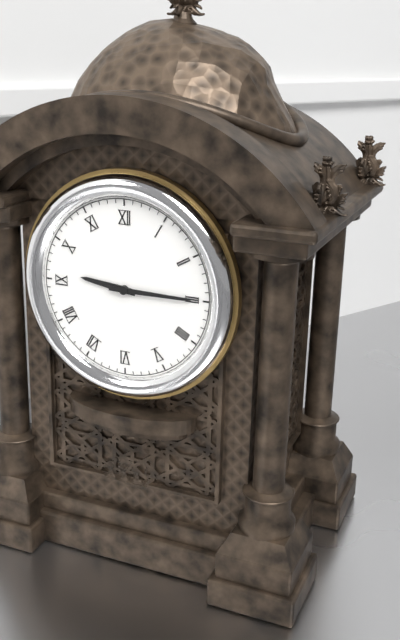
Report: 9:15
